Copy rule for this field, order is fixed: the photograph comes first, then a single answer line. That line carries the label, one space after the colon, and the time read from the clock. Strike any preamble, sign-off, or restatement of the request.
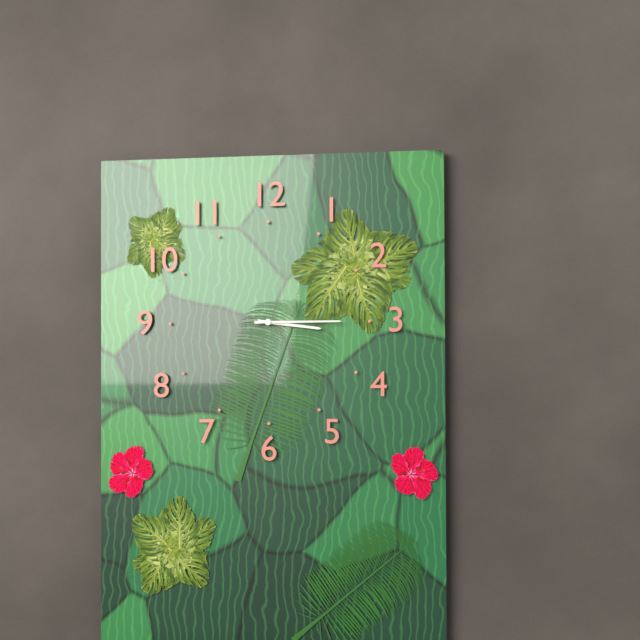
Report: 3:15
